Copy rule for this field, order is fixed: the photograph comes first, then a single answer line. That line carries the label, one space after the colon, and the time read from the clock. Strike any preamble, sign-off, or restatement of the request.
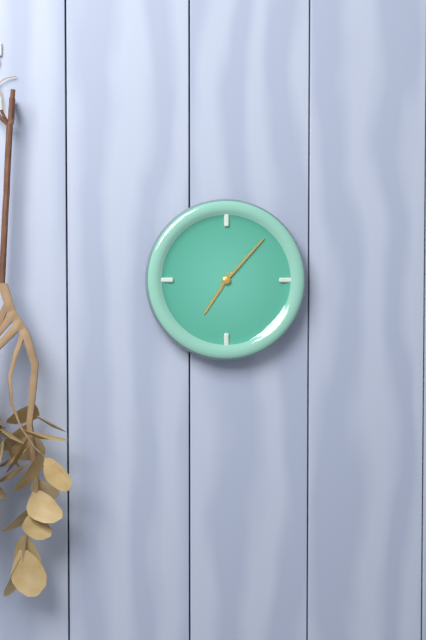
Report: 7:07
